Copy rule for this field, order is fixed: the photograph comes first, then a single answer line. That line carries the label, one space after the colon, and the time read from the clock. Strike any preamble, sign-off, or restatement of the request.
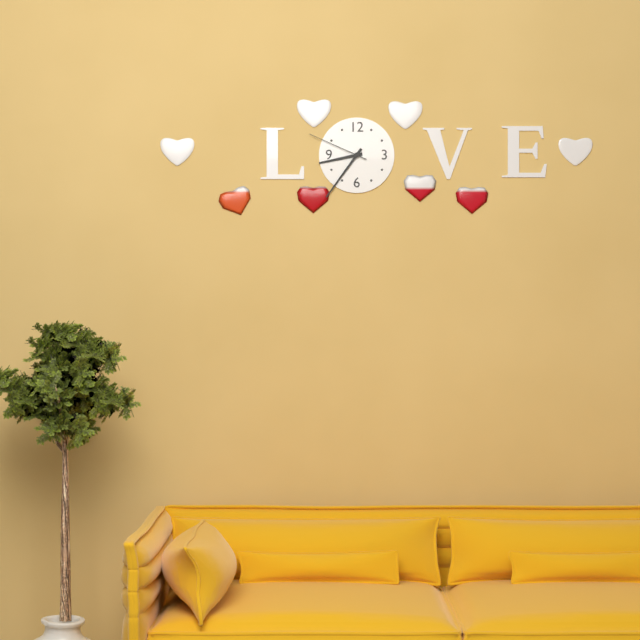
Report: 8:36:49
